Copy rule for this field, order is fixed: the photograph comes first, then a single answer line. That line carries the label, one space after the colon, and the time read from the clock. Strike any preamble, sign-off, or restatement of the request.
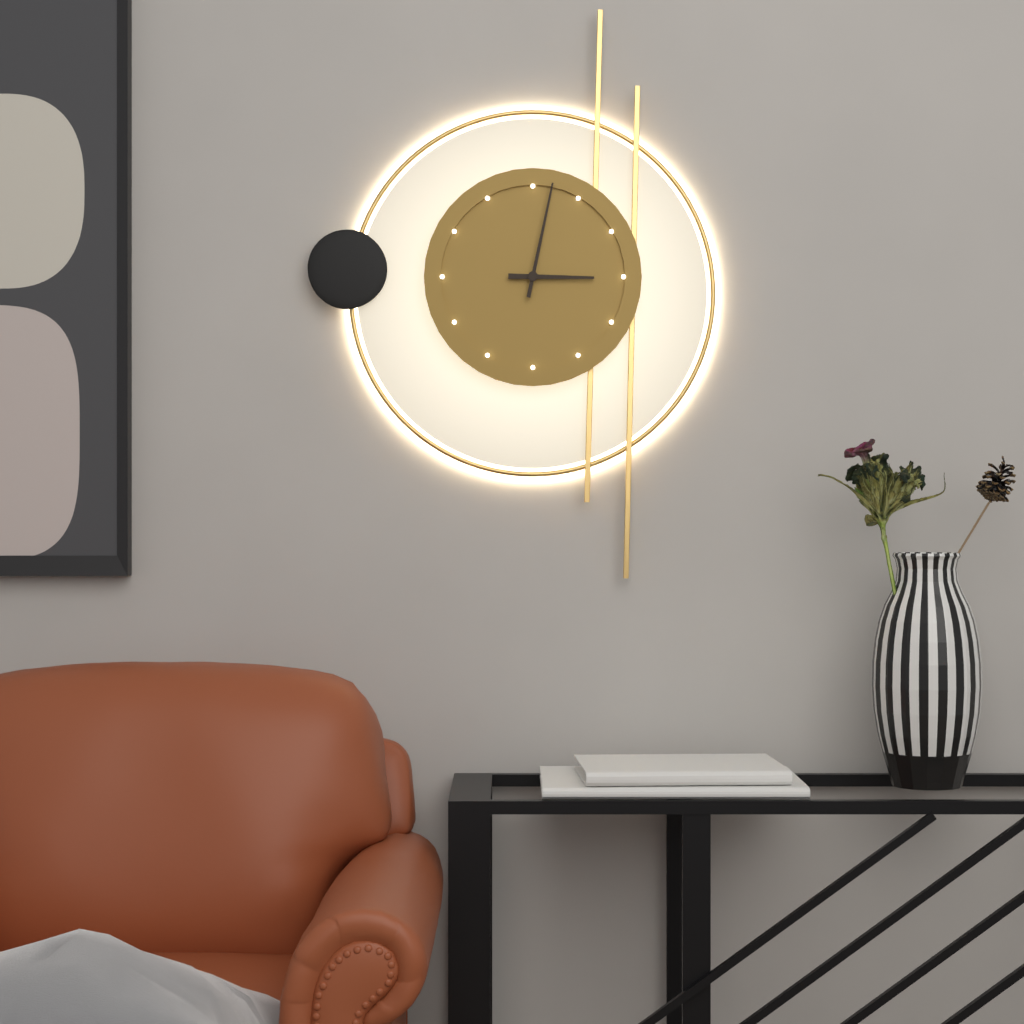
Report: 3:02
